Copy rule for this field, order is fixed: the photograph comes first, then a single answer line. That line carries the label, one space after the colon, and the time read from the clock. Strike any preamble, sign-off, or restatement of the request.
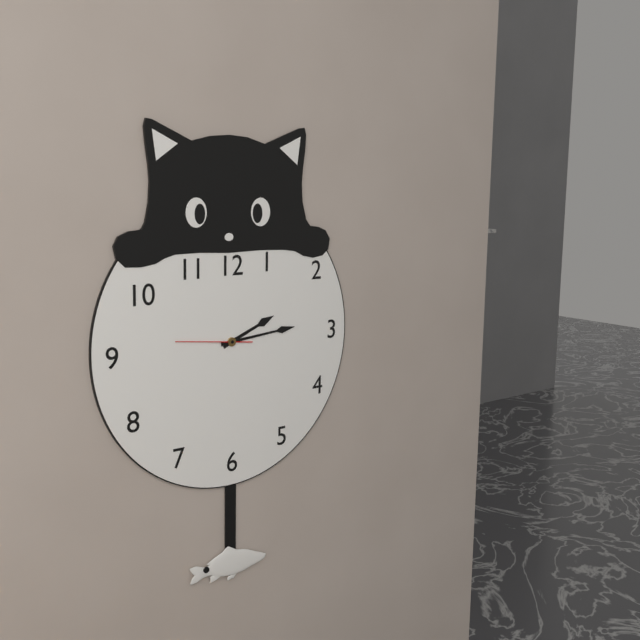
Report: 2:14:46
